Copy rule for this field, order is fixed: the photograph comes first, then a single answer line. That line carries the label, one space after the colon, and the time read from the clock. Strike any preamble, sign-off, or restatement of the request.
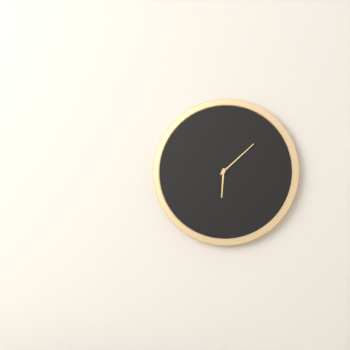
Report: 6:08
